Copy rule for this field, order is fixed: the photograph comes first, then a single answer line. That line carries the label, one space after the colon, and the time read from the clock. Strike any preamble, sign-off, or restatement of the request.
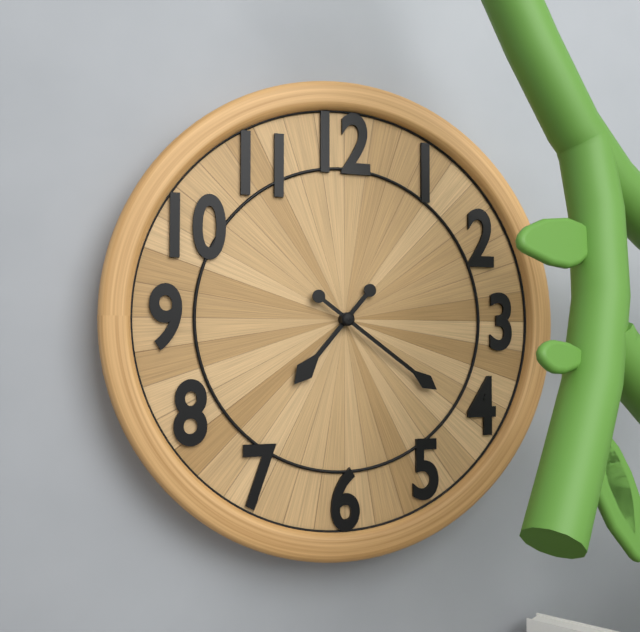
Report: 7:21
